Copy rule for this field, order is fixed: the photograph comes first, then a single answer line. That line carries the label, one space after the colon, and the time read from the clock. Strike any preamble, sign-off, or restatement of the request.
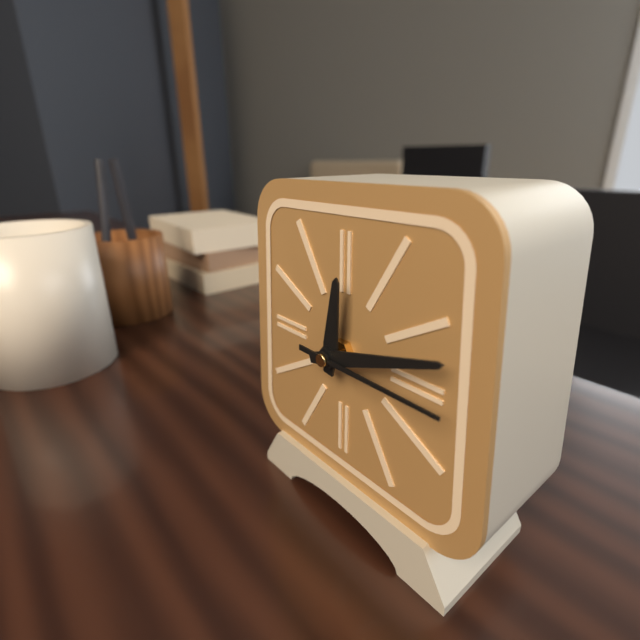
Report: 12:12:15
